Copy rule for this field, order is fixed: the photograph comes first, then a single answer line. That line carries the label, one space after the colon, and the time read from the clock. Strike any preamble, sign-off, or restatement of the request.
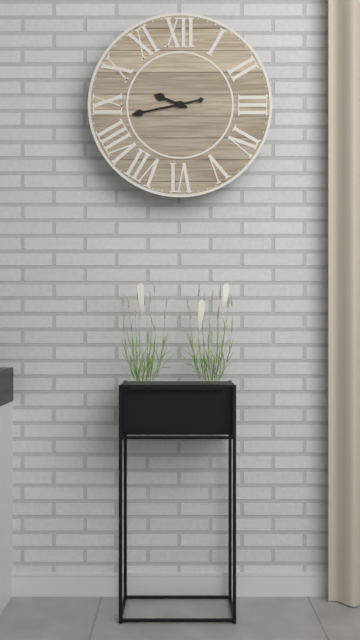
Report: 9:43
